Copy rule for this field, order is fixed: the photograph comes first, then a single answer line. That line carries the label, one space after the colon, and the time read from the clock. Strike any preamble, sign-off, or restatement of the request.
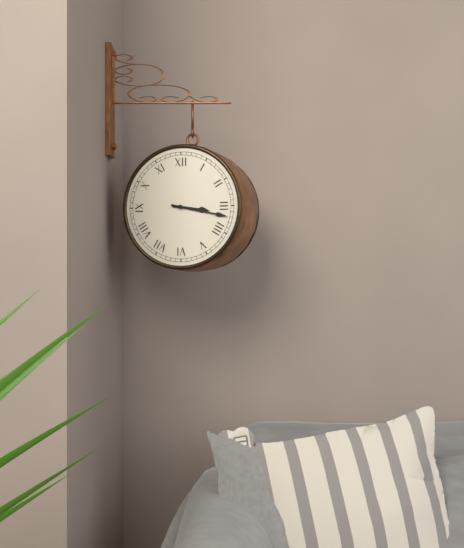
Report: 3:17
